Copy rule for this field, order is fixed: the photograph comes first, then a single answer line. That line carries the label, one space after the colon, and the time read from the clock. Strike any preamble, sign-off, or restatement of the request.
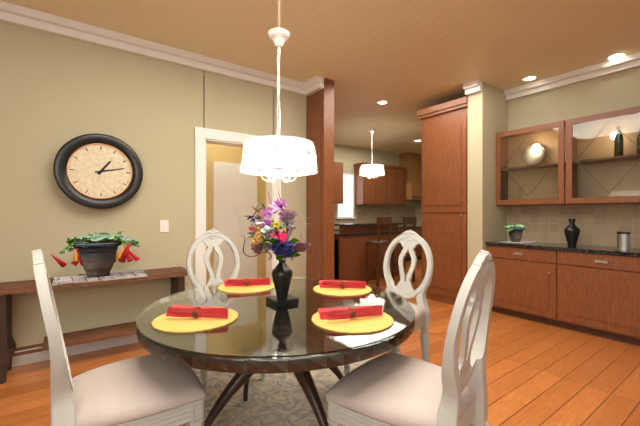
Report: 1:13
